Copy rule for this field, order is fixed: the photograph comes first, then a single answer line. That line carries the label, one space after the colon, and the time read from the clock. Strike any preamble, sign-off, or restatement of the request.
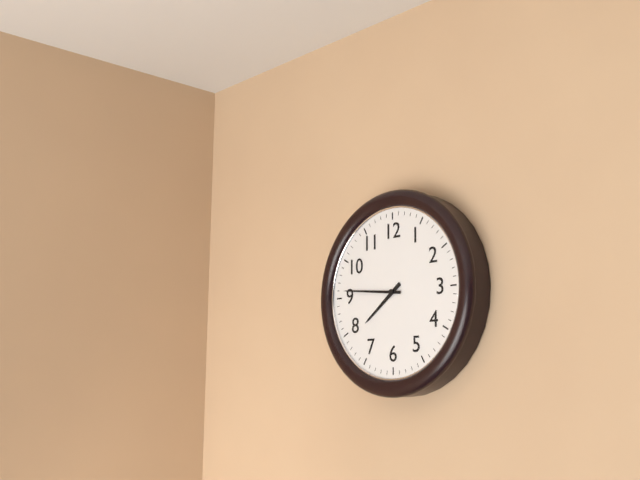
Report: 7:46
